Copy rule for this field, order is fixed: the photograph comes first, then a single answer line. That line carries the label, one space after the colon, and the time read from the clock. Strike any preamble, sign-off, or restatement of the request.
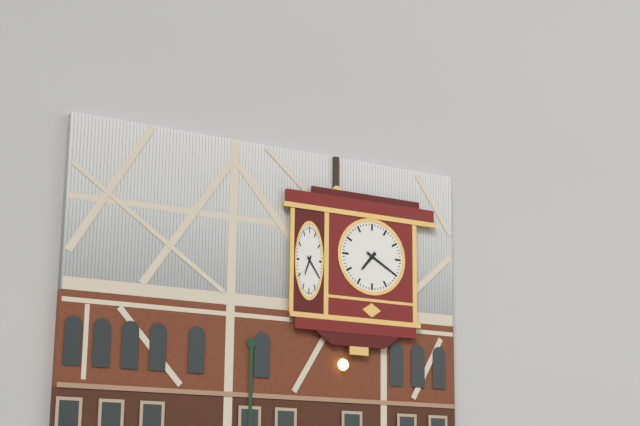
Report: 7:20
